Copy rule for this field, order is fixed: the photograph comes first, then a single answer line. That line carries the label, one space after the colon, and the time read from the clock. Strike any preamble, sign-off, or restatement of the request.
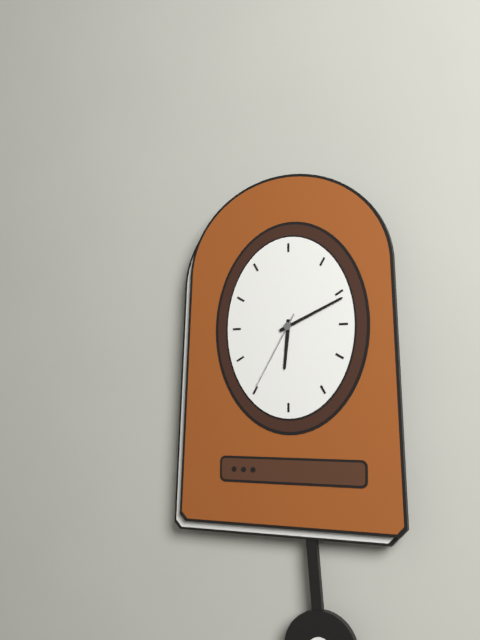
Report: 6:11:35
